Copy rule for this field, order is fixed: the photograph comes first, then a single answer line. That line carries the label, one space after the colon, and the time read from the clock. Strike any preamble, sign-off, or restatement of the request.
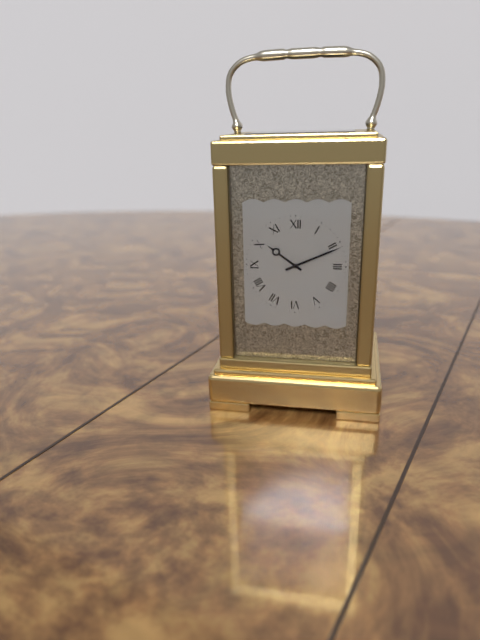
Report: 10:11
